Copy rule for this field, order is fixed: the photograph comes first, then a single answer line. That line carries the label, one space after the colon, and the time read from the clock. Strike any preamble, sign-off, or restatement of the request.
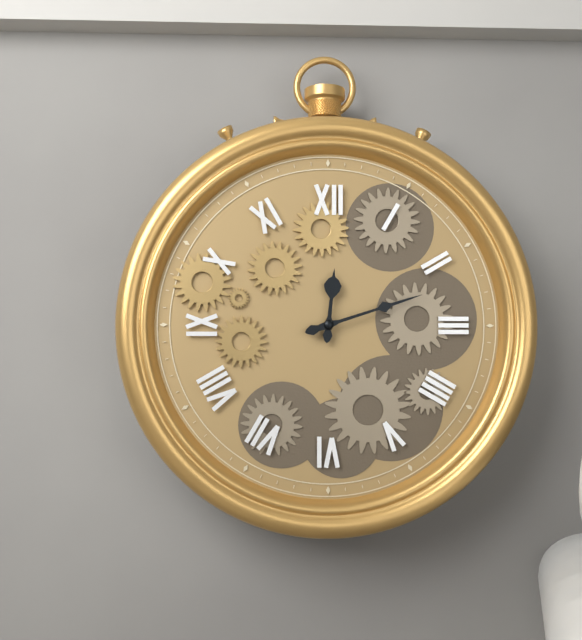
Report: 12:12
